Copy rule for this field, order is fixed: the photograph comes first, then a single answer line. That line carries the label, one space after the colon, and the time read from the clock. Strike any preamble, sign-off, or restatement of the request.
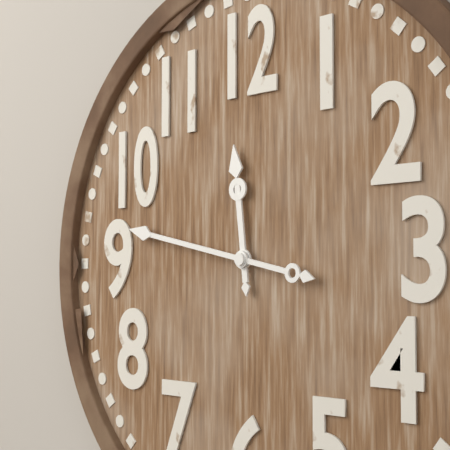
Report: 11:47
